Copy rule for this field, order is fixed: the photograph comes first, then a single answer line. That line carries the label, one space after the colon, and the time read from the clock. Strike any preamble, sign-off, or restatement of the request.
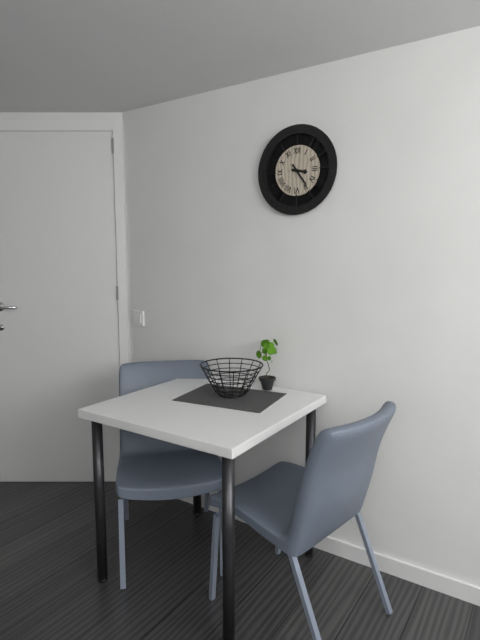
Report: 3:24
